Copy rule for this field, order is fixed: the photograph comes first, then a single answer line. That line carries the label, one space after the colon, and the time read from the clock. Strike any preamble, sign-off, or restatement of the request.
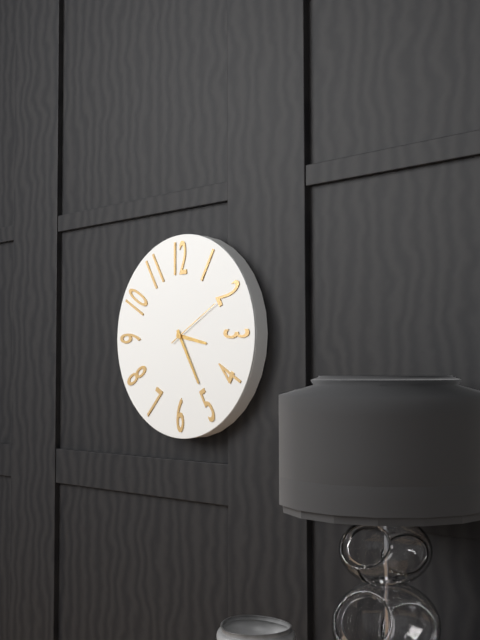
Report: 3:25:10
